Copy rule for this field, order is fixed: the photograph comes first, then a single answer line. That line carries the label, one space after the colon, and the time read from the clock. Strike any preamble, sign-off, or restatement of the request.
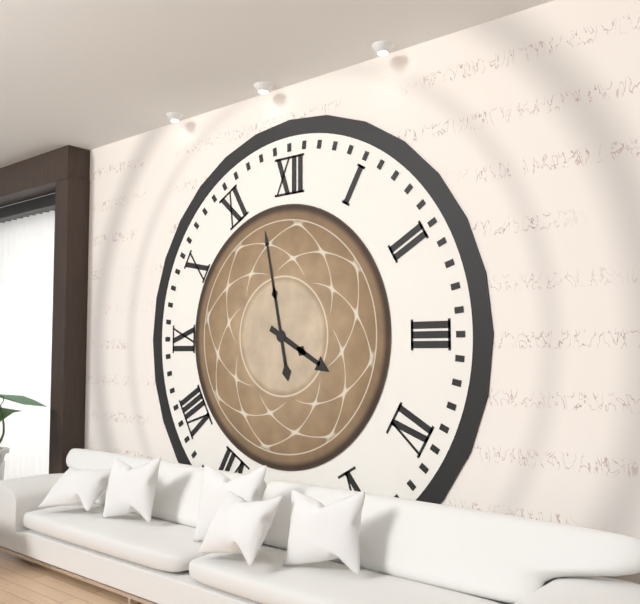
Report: 3:58
